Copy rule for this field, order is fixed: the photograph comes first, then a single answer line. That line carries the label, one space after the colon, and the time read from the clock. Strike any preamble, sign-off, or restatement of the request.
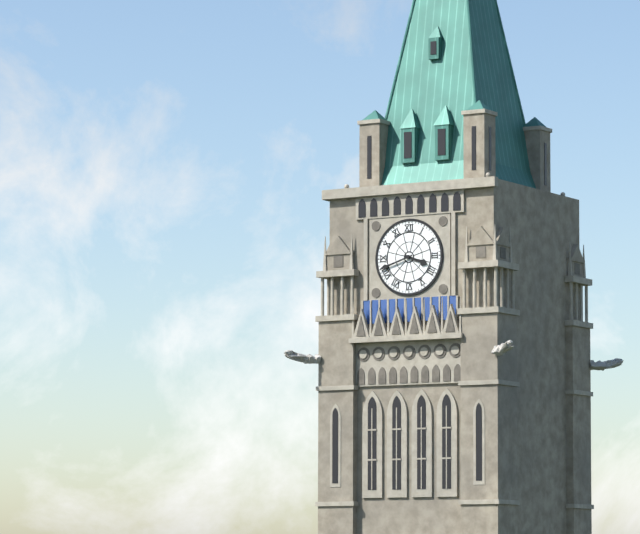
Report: 3:42
